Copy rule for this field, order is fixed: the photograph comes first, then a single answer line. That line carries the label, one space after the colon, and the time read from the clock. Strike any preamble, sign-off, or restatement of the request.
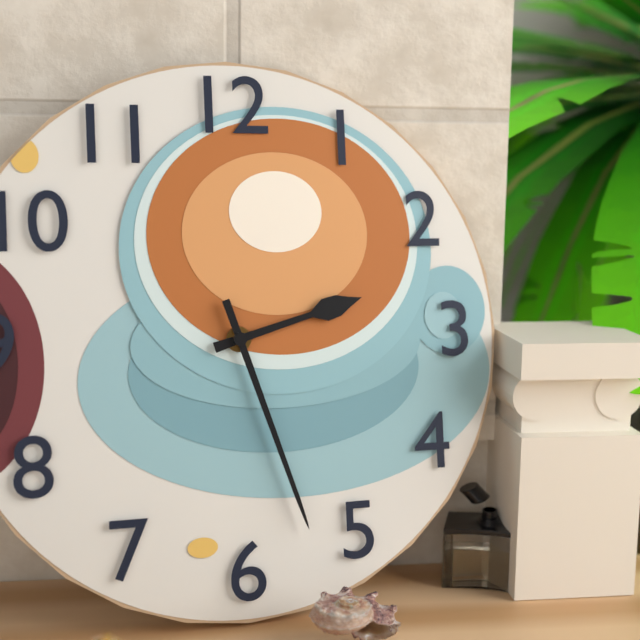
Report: 2:27
